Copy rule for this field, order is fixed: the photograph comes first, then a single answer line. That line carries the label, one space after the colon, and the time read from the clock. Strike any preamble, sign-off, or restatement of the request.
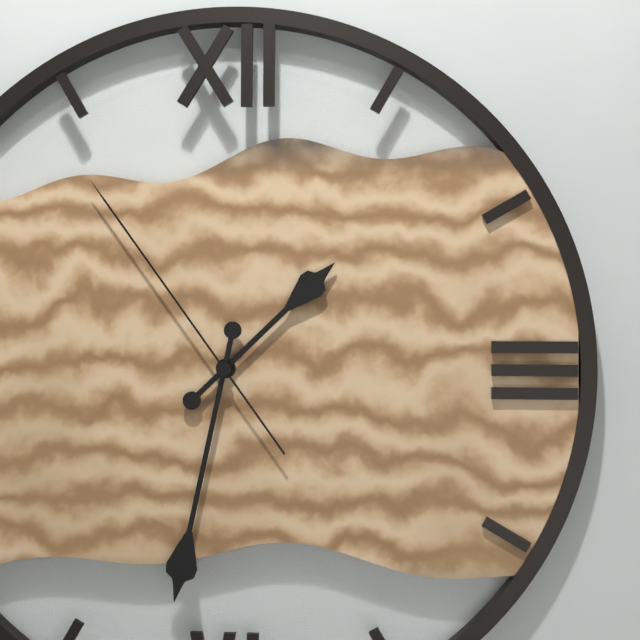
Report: 1:32:54
